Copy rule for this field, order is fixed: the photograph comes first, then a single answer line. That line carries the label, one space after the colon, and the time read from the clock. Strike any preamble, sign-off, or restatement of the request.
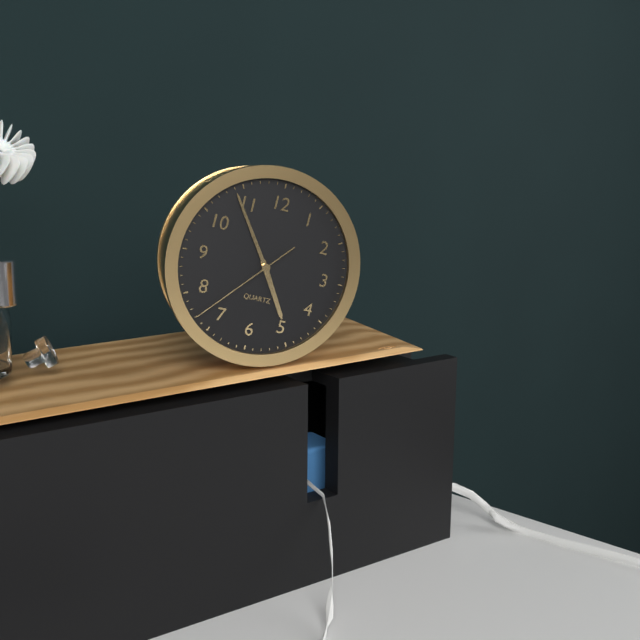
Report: 4:54:37
